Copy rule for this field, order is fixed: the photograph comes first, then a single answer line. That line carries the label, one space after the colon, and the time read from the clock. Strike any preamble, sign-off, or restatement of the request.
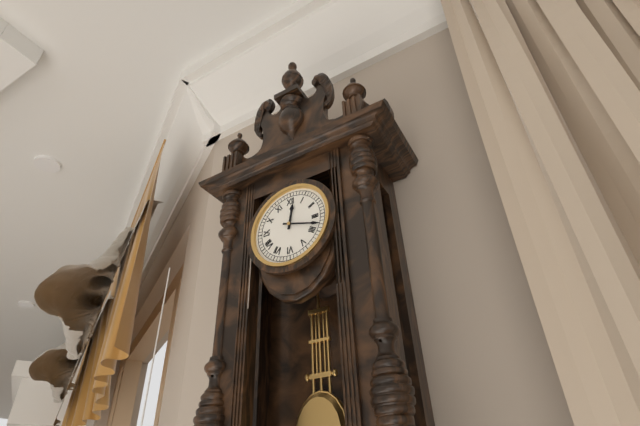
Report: 12:18
